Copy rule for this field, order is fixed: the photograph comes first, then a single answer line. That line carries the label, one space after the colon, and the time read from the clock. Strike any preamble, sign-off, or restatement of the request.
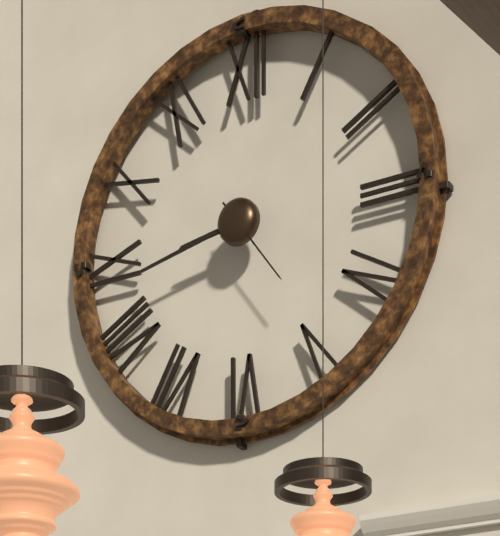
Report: 8:43:24
